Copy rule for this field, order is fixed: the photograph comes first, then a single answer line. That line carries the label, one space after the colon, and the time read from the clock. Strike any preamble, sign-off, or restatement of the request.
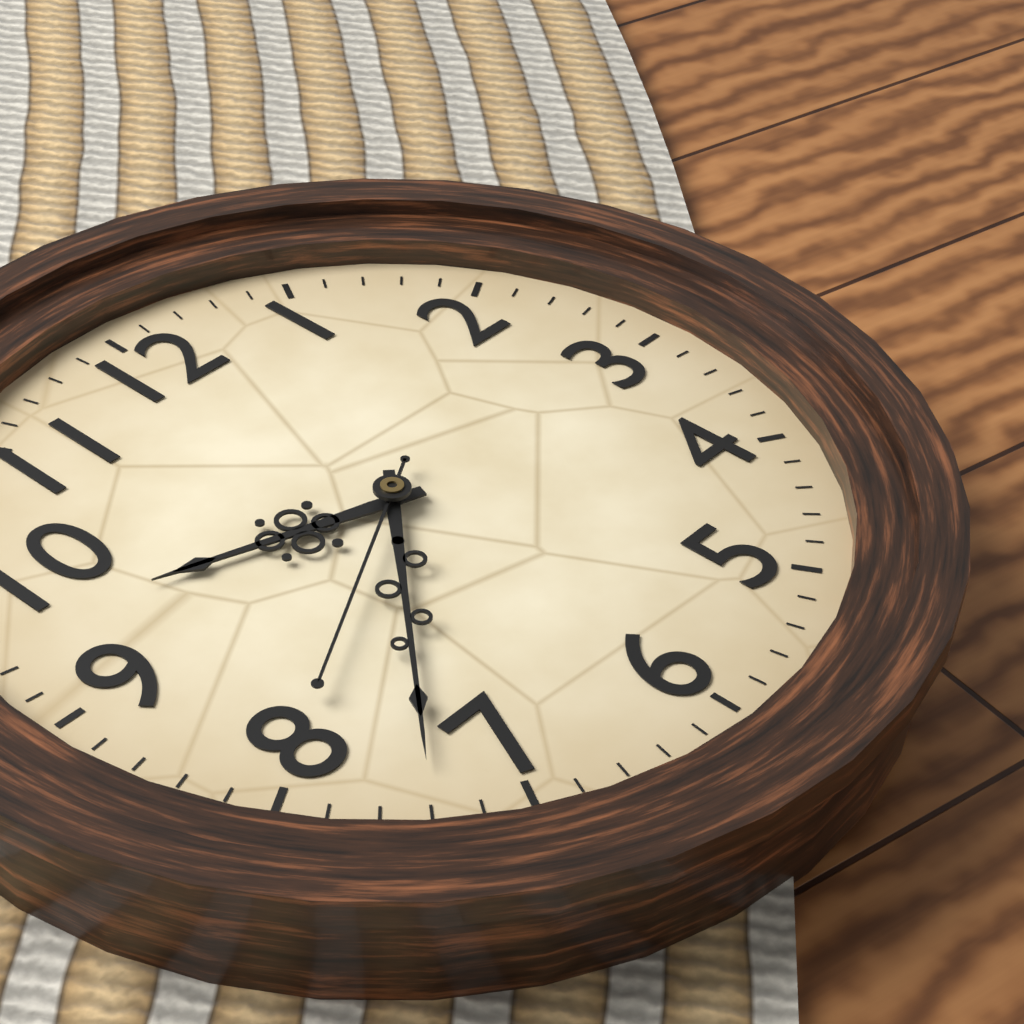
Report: 9:37:40
